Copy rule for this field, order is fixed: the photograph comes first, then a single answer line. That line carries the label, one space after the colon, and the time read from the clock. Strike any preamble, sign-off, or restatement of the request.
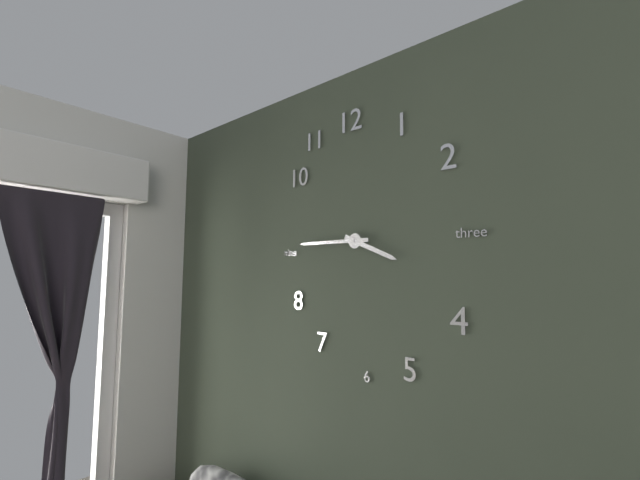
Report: 3:45
